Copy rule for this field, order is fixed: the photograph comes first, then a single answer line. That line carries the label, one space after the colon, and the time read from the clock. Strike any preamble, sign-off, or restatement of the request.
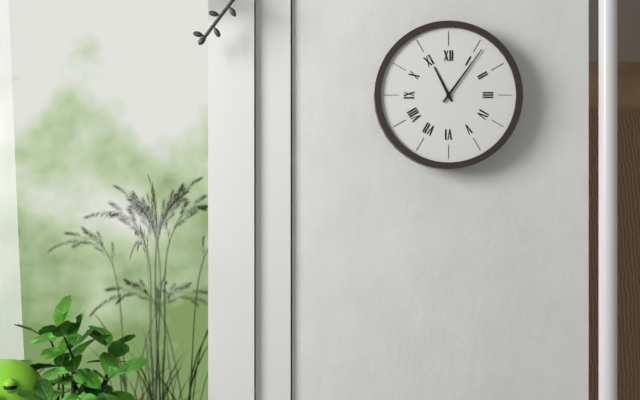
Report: 11:06
